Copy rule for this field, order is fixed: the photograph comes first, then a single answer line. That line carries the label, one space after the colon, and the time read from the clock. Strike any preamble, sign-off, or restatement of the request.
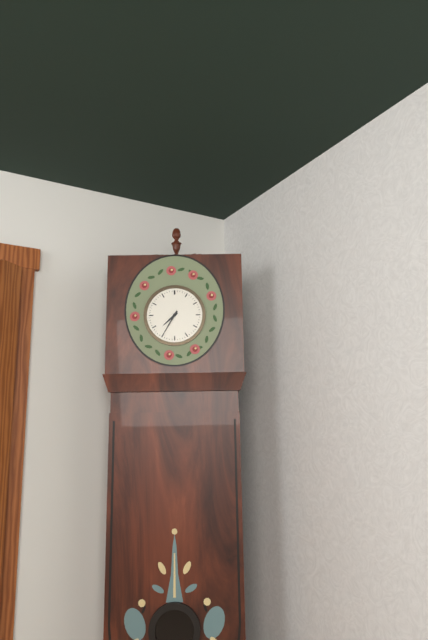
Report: 7:35
